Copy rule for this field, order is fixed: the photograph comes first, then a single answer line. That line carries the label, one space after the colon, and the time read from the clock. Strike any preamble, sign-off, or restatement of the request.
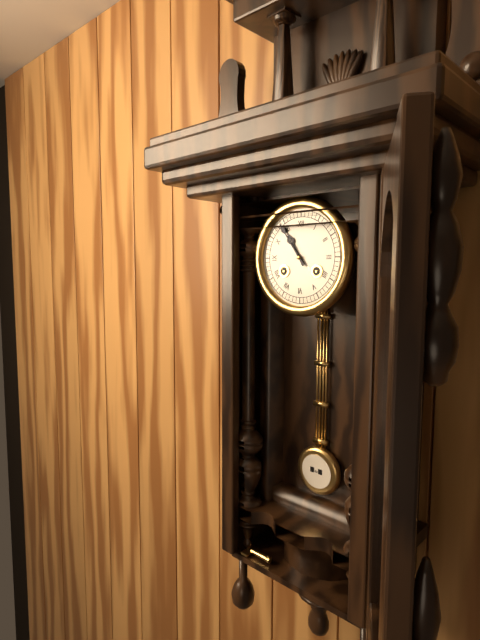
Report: 10:54
